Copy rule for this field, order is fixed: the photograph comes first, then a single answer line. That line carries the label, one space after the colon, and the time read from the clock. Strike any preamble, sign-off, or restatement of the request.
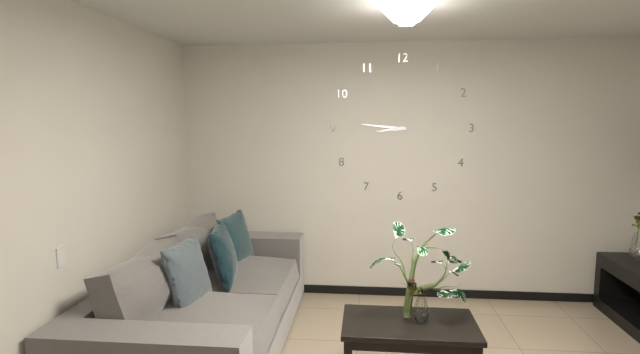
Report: 8:46
